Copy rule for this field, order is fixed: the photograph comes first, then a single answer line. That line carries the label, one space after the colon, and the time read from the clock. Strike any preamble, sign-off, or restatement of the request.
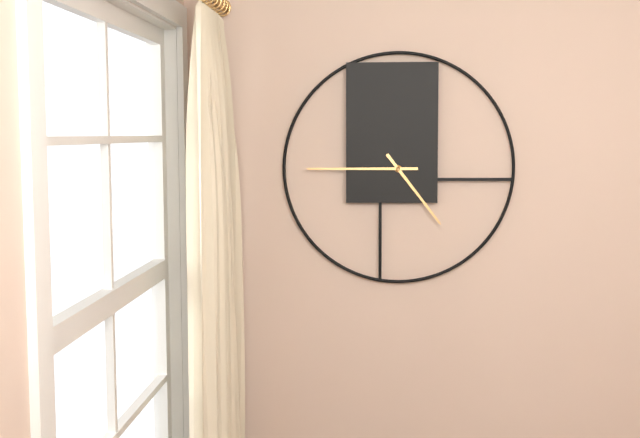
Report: 4:45
